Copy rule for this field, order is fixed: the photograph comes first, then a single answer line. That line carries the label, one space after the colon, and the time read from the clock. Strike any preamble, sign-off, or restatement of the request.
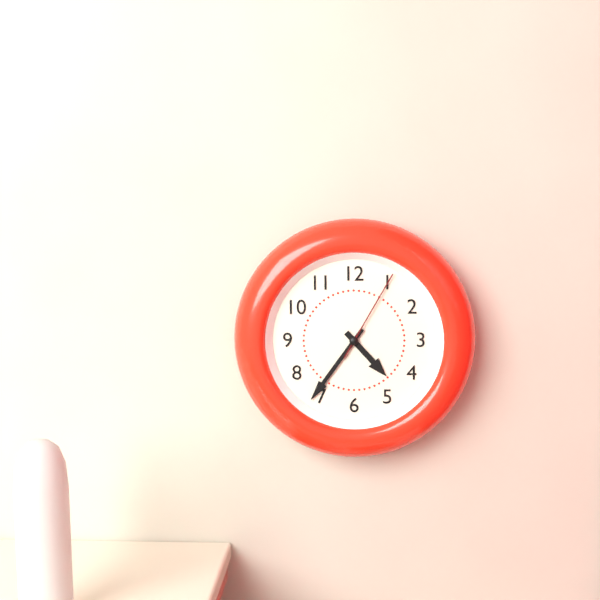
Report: 4:36:05
